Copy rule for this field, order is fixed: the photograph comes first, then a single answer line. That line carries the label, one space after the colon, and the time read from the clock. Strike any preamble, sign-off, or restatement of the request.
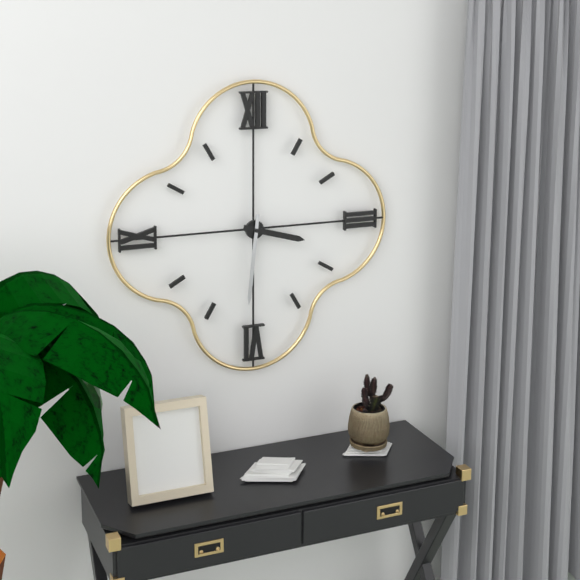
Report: 3:31
